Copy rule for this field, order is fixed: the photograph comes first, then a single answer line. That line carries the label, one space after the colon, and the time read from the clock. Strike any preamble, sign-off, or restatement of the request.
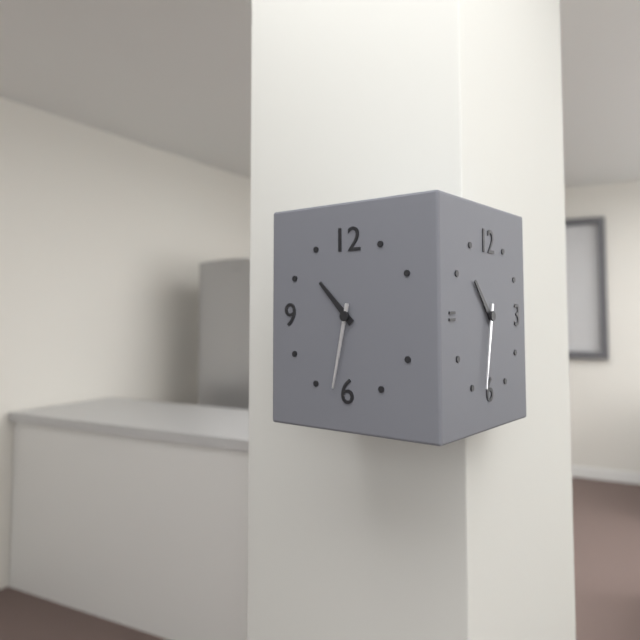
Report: 10:32
